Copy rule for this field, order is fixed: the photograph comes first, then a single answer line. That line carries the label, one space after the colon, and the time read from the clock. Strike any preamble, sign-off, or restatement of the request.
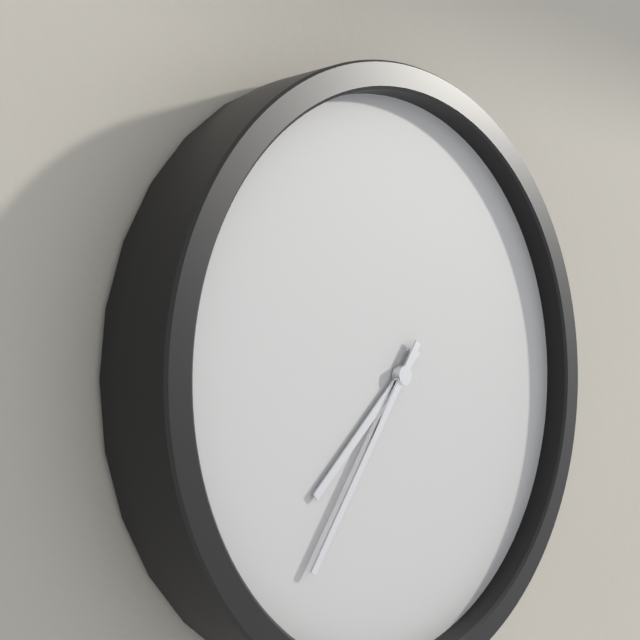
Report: 7:36
